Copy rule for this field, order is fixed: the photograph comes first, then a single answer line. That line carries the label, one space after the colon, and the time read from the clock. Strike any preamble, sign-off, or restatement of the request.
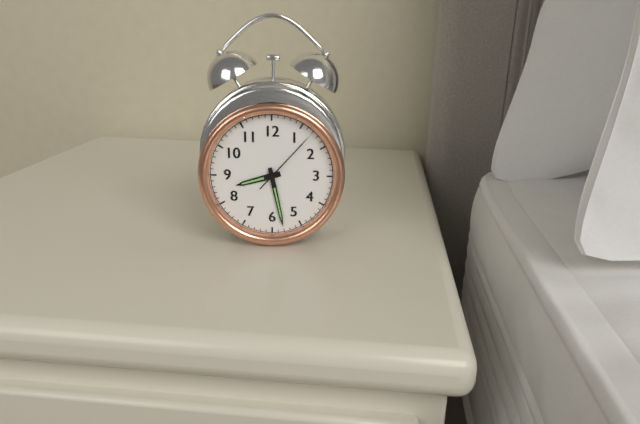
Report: 8:28:07
